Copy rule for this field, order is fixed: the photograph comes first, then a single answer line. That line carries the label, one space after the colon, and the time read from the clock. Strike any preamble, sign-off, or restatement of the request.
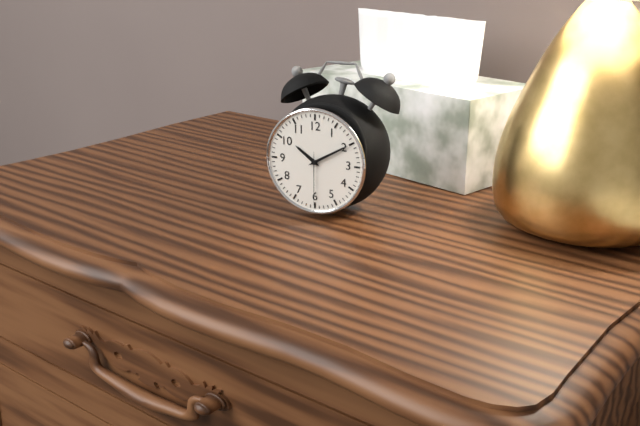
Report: 10:10:30
